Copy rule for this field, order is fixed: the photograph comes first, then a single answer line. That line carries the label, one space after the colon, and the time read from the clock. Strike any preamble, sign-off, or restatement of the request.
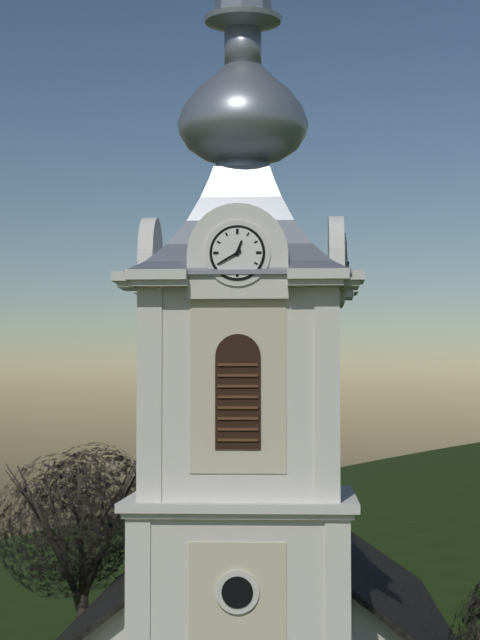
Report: 12:40
